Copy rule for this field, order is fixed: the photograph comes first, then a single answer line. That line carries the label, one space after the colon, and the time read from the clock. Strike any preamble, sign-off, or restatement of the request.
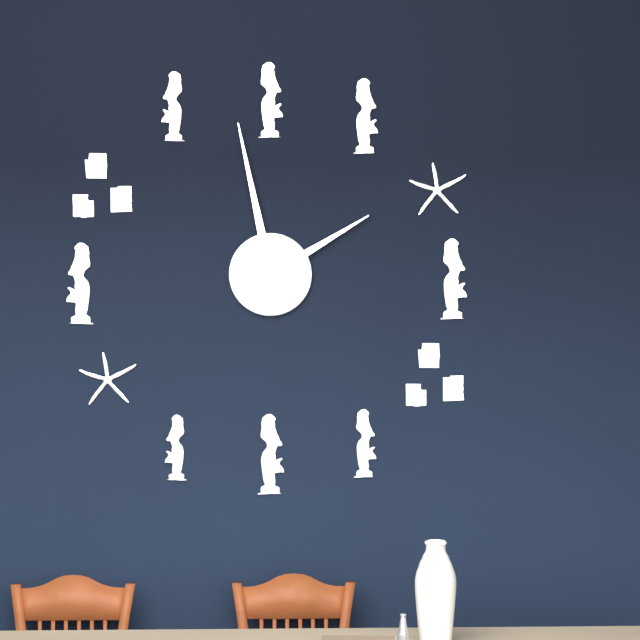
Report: 1:58
